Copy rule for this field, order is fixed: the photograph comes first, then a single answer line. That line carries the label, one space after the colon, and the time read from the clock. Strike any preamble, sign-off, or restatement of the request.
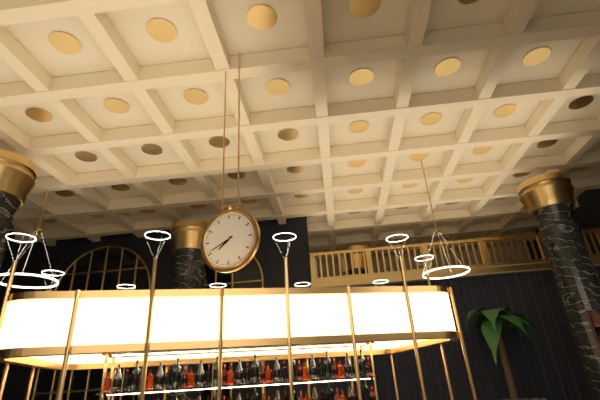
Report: 7:41
